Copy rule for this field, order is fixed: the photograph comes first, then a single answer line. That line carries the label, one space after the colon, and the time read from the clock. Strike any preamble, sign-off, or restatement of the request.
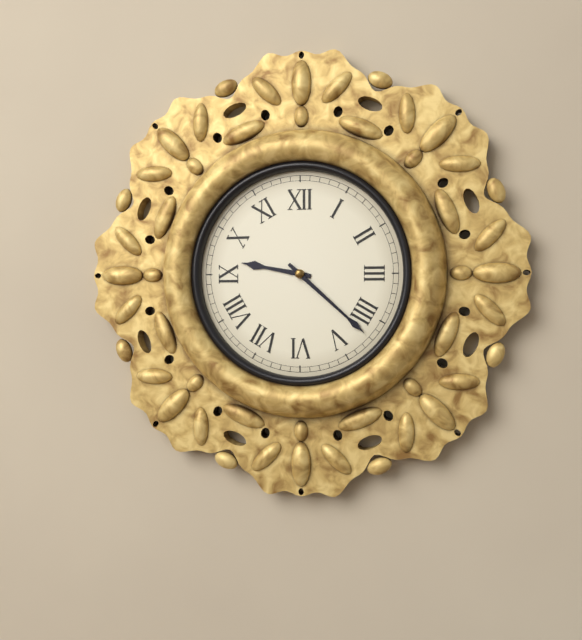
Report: 9:22
